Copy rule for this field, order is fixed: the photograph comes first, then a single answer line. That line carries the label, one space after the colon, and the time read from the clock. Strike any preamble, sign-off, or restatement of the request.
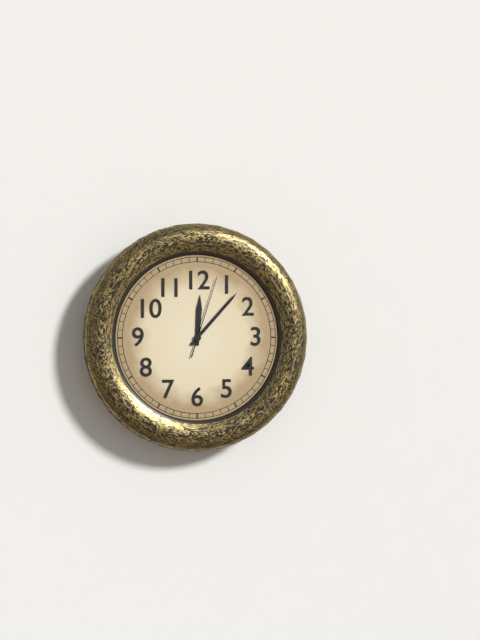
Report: 12:07:03
